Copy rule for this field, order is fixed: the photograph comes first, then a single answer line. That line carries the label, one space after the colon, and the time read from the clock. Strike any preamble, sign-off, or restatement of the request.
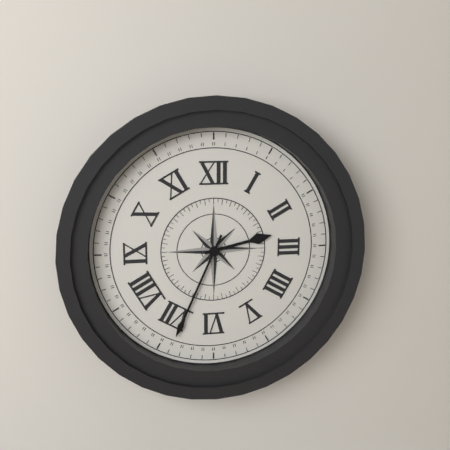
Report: 2:34
